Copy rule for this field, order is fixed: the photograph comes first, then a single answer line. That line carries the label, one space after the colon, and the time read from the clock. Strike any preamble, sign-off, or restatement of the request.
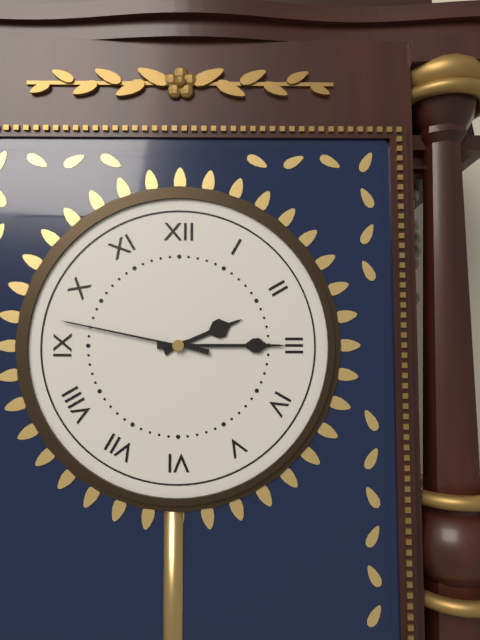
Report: 2:15:47
